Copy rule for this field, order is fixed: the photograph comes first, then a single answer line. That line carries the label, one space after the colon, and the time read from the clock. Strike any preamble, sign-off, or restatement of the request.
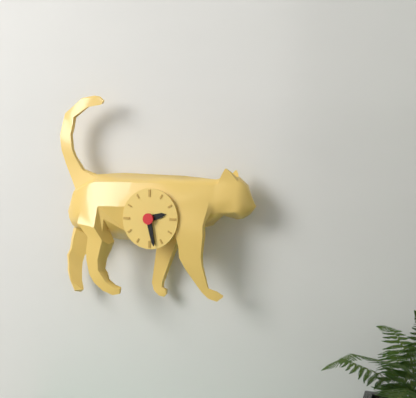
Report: 2:28
